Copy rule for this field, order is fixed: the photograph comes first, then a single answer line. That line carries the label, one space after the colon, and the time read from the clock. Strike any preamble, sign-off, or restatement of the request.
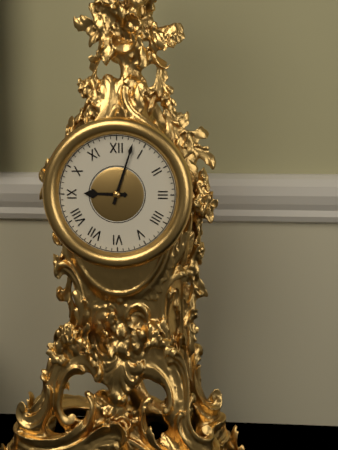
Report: 9:03
